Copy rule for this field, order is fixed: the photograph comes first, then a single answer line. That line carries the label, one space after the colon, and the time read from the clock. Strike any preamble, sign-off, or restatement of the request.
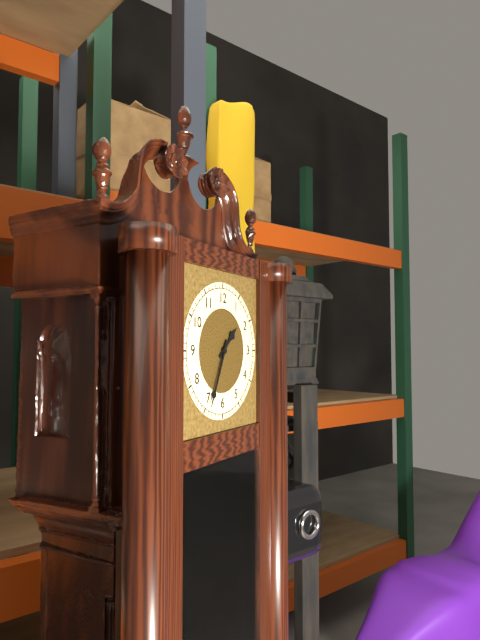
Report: 1:34
